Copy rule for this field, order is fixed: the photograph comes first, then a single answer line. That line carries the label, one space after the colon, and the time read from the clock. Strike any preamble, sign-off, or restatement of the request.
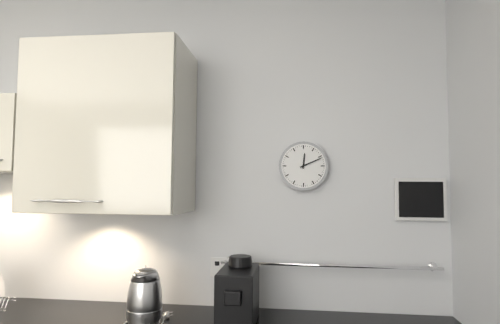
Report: 12:11
